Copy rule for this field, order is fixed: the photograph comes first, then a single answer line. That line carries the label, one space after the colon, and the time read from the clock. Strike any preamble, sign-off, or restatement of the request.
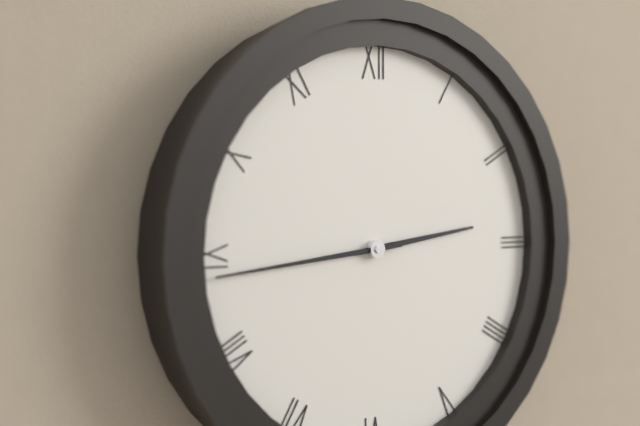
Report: 2:44
